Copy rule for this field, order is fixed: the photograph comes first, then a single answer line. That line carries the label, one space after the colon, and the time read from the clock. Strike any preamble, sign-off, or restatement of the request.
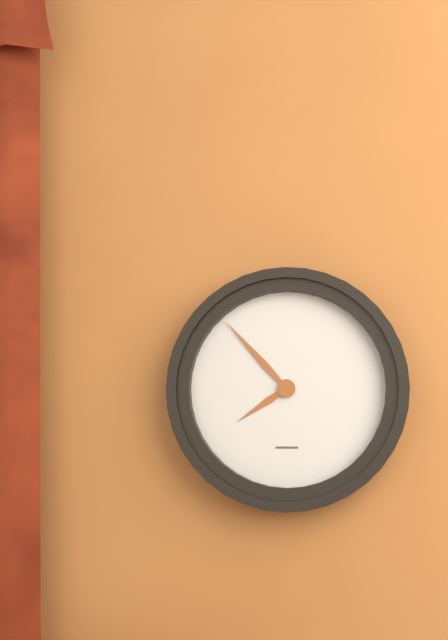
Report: 7:53
